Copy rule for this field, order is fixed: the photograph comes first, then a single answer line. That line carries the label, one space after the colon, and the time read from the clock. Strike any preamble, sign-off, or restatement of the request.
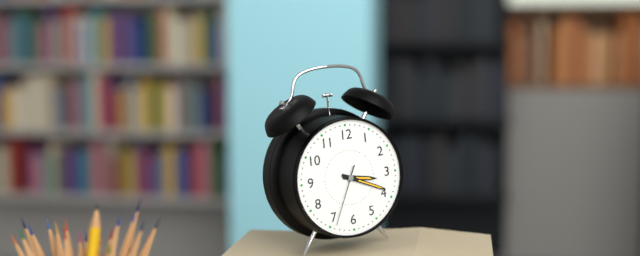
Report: 3:19:34
